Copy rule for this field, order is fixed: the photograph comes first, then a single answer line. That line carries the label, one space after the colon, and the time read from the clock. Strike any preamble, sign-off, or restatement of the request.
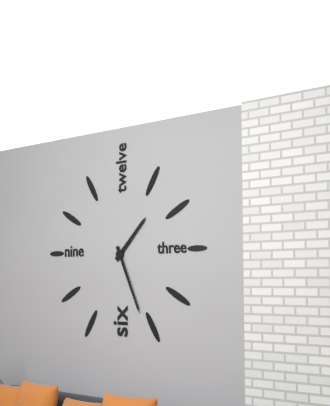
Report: 1:26
